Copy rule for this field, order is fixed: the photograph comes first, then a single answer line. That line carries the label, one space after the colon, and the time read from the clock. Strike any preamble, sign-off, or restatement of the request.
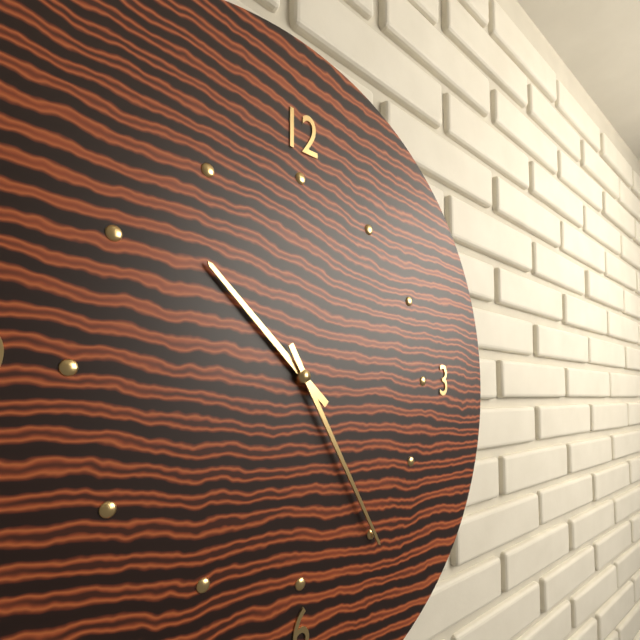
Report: 10:25
